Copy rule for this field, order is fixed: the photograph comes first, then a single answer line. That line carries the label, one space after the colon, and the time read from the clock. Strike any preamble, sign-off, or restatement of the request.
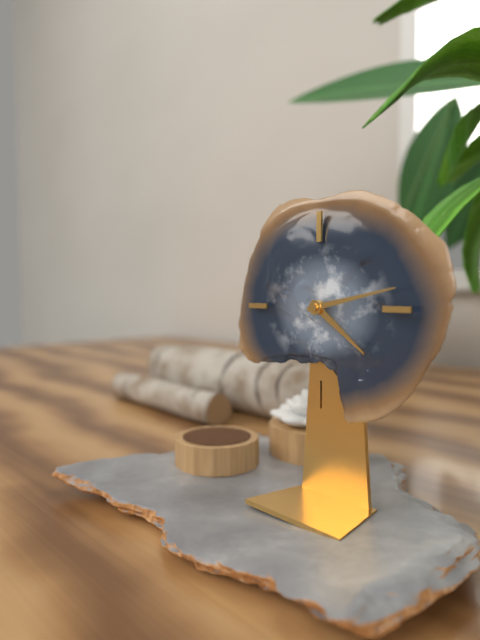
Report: 4:13
